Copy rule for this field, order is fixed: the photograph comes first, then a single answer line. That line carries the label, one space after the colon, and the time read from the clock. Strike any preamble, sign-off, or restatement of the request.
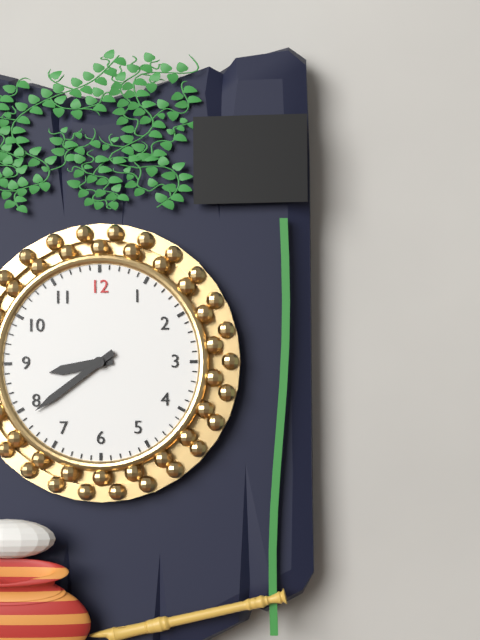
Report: 8:39
